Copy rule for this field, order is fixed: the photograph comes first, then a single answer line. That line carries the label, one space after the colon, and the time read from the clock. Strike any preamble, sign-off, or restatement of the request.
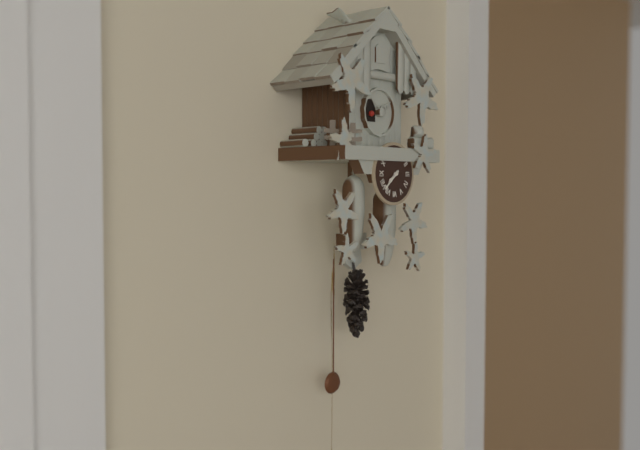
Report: 7:38
